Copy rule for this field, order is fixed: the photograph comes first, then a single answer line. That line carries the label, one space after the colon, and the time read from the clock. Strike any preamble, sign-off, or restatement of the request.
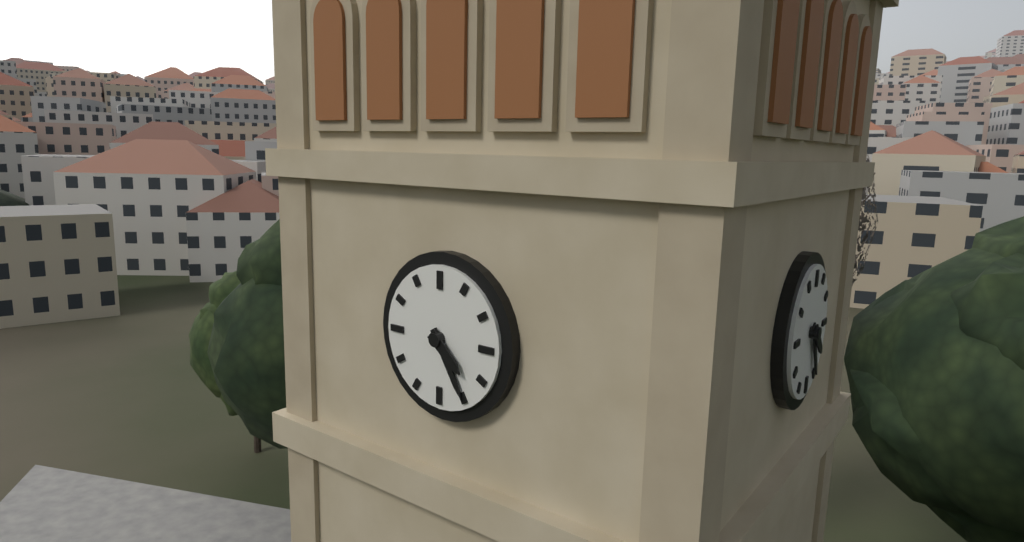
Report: 4:25
